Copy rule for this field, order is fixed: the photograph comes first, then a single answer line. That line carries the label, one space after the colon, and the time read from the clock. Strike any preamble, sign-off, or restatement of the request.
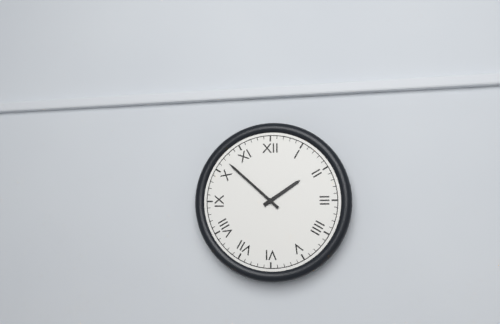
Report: 1:52
